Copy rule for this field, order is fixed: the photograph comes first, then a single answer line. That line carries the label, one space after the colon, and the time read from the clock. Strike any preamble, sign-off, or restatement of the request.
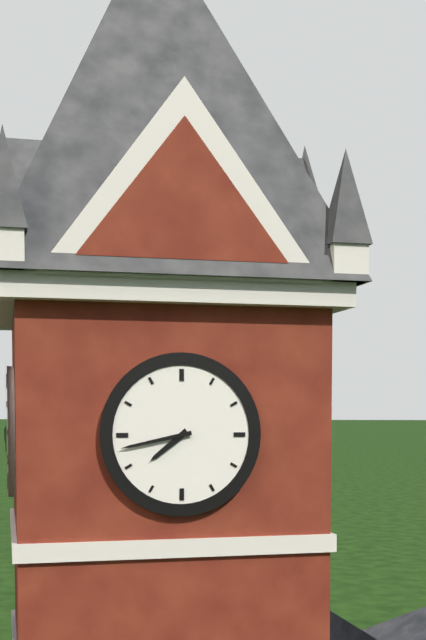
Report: 7:43
